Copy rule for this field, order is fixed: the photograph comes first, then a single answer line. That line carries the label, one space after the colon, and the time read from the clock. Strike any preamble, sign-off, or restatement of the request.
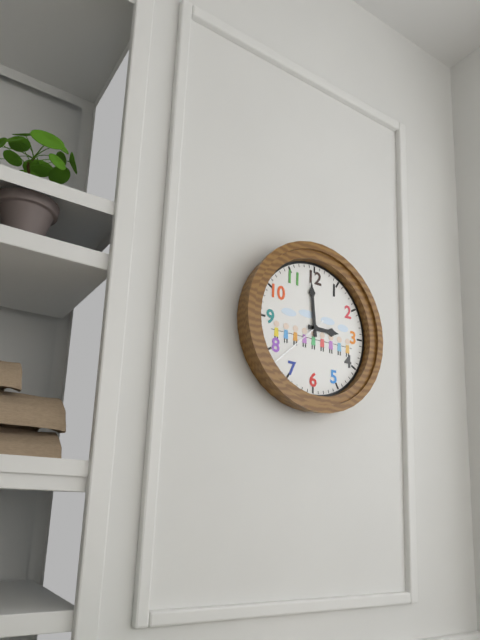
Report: 2:59:38
